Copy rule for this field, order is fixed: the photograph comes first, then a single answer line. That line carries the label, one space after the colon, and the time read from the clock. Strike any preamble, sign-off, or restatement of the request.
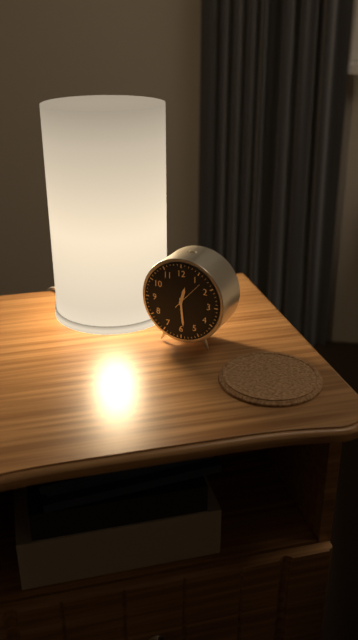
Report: 12:29
